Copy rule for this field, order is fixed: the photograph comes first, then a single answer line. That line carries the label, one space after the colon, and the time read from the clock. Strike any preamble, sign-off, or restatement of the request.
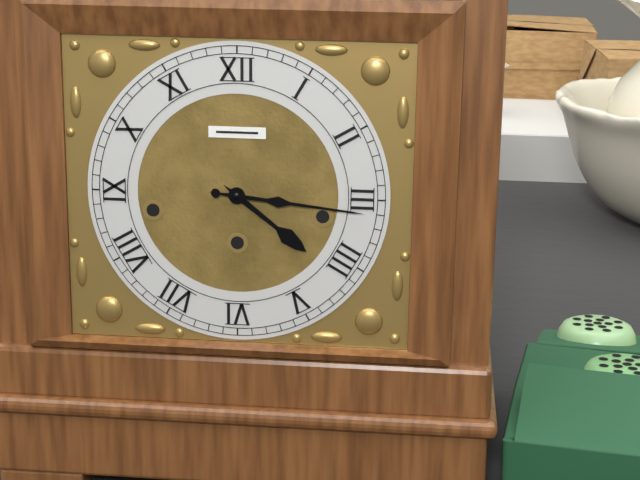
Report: 4:16
